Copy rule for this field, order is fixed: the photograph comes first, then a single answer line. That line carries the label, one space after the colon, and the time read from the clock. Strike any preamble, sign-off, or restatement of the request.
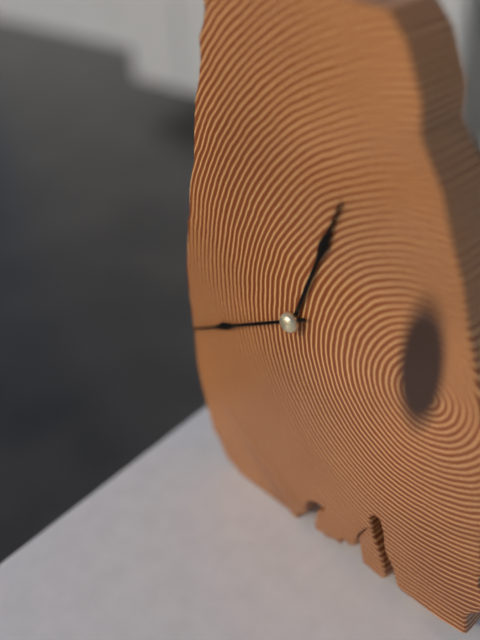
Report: 12:40
